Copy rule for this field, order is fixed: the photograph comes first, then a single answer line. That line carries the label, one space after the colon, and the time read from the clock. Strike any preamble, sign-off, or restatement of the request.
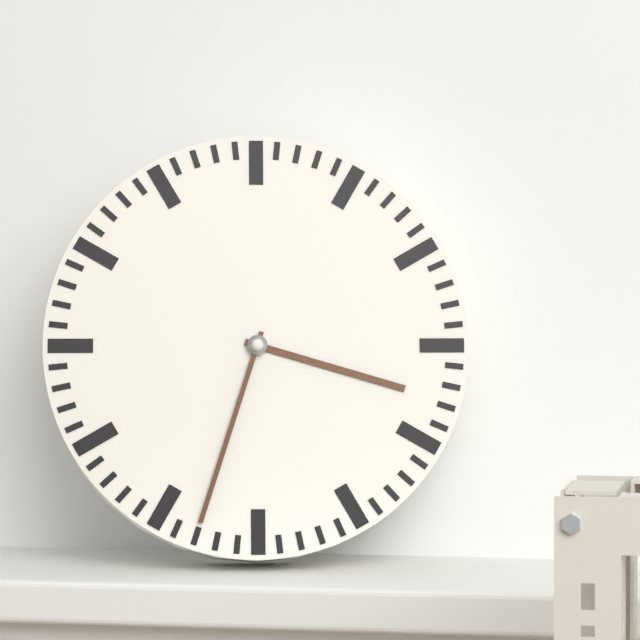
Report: 3:33
